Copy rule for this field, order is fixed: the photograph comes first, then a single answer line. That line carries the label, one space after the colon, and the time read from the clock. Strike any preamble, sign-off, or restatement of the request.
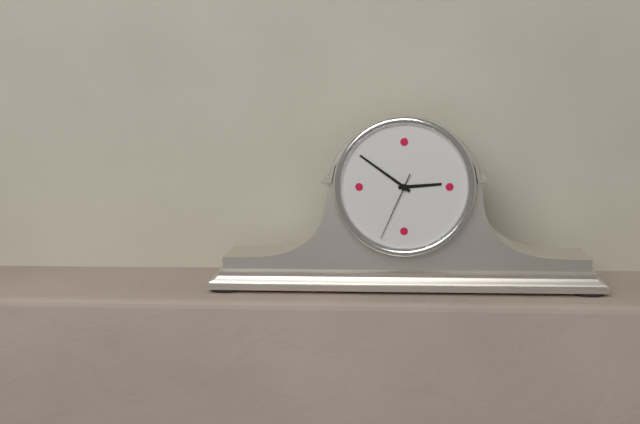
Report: 2:51:34
